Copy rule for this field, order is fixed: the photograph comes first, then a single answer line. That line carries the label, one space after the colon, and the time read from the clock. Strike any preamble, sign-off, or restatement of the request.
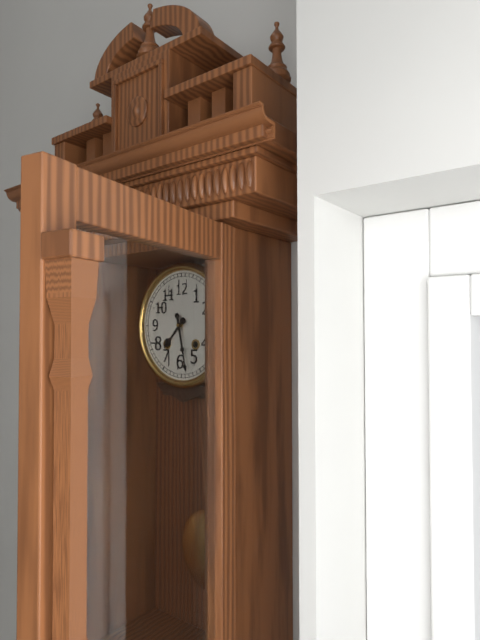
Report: 7:28
